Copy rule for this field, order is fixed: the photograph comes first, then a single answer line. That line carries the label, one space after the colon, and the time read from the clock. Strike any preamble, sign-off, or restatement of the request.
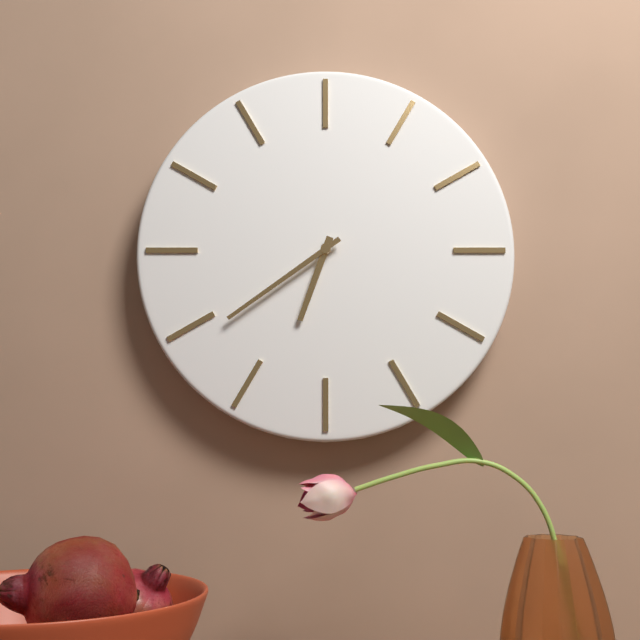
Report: 6:39
